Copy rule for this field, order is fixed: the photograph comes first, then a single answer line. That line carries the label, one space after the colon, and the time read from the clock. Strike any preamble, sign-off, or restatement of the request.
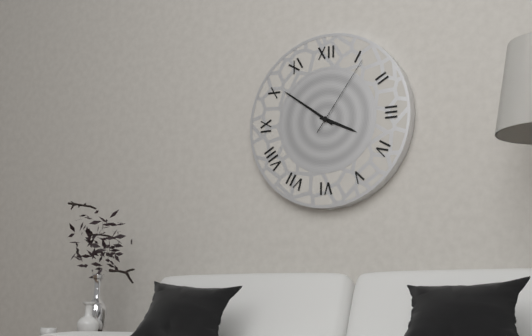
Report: 3:51:06
